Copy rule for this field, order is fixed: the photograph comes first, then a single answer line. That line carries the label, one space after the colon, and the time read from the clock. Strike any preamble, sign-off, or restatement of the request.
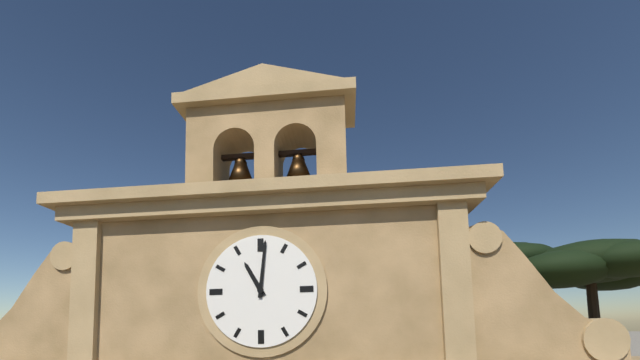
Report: 11:01
